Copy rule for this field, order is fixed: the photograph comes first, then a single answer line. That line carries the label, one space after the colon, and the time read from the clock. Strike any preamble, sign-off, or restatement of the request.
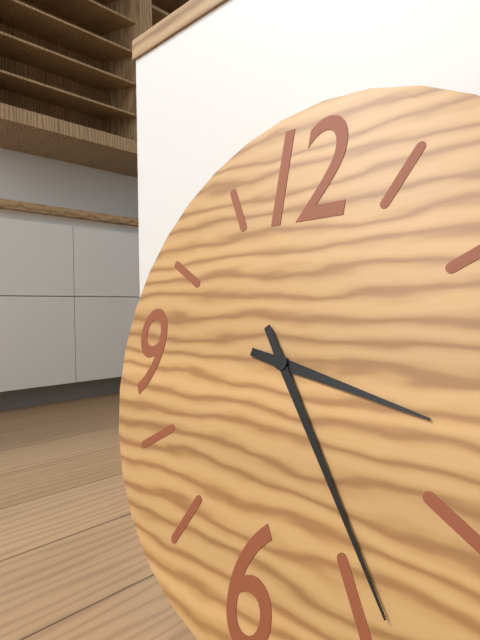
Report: 3:24
